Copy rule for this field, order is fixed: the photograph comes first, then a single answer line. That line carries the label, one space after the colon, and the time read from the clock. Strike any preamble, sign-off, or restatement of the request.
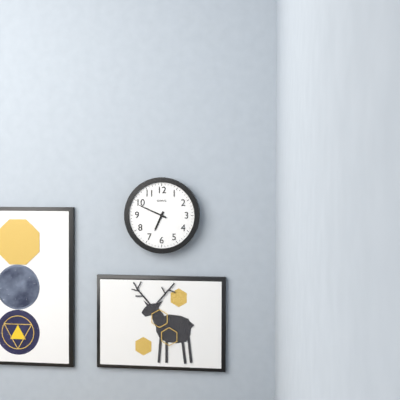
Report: 6:49
